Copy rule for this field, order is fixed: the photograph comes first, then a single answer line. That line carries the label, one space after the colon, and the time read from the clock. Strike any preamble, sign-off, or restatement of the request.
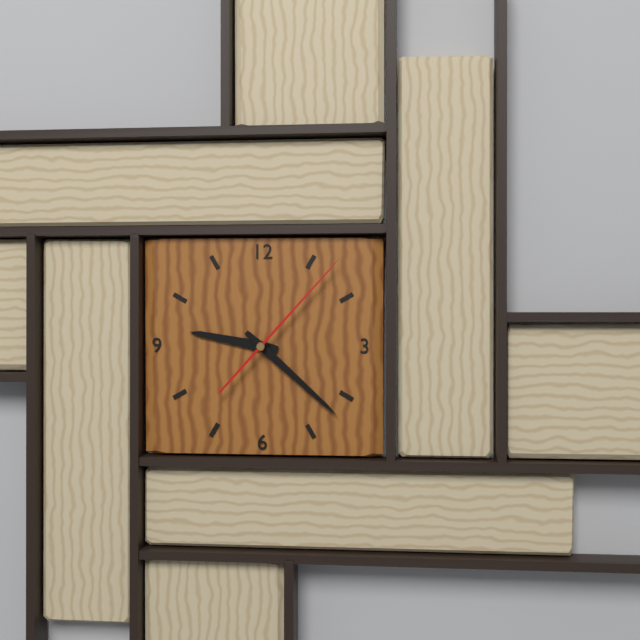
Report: 9:22:07
